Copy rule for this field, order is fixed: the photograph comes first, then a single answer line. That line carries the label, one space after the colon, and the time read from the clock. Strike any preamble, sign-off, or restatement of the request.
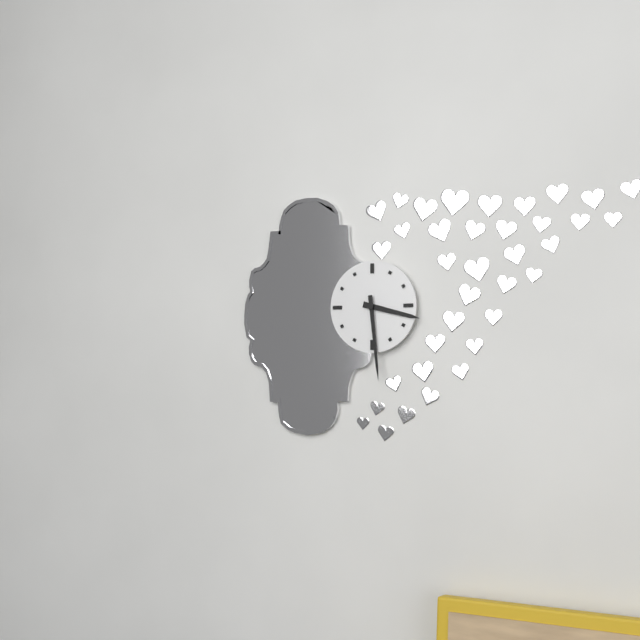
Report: 3:29
